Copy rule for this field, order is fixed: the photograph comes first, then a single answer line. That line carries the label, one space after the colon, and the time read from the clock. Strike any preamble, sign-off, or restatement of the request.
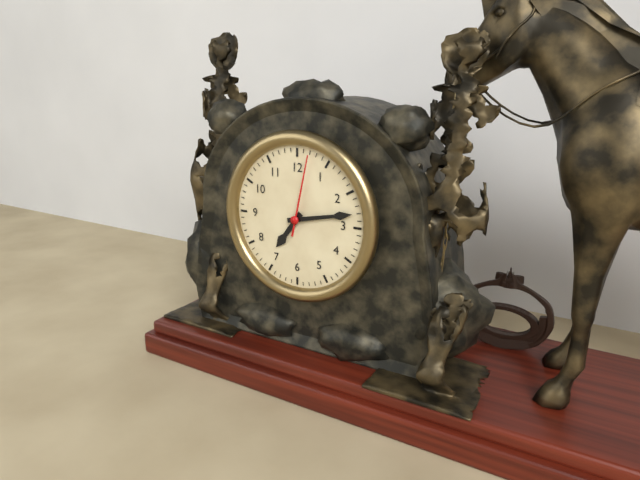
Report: 7:13:02
